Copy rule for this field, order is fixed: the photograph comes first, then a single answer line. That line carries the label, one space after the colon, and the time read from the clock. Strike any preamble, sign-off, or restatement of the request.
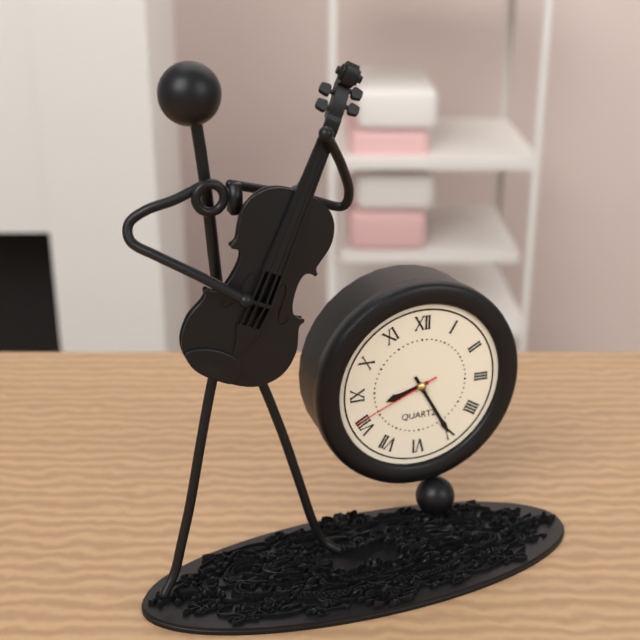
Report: 8:25:41
